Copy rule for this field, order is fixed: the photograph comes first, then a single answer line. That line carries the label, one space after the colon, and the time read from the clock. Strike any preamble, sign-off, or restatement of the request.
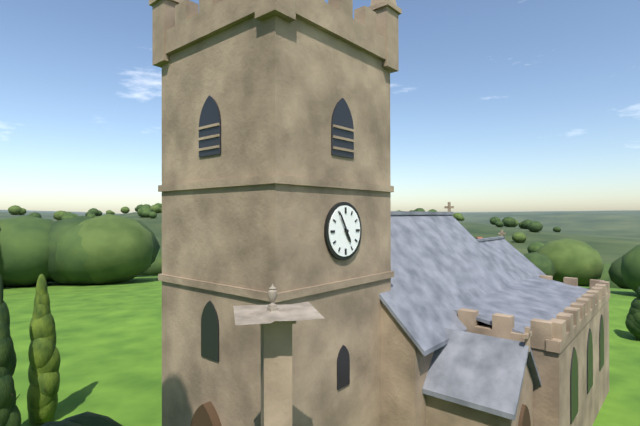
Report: 4:55
